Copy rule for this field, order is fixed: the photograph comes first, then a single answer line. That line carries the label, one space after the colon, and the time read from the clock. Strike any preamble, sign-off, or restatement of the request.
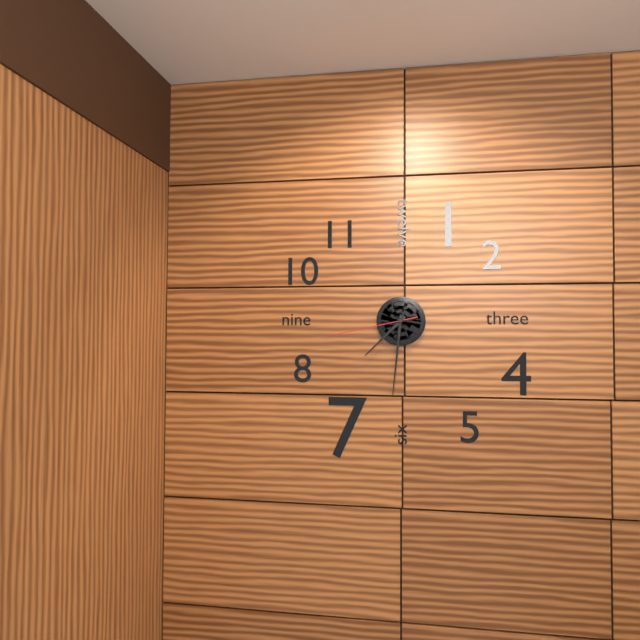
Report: 7:31:43
